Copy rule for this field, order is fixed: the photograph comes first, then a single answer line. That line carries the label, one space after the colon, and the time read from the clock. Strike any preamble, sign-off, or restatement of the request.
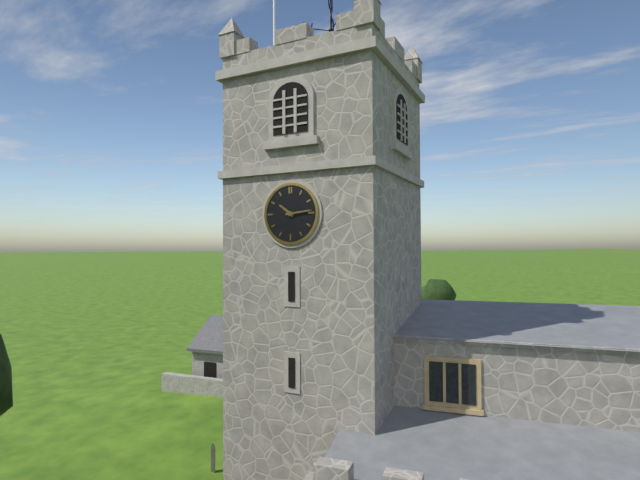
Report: 10:14
